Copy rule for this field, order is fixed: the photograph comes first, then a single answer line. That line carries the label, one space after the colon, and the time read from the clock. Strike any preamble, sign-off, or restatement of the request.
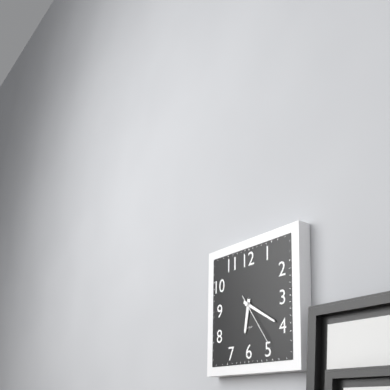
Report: 6:20:24
